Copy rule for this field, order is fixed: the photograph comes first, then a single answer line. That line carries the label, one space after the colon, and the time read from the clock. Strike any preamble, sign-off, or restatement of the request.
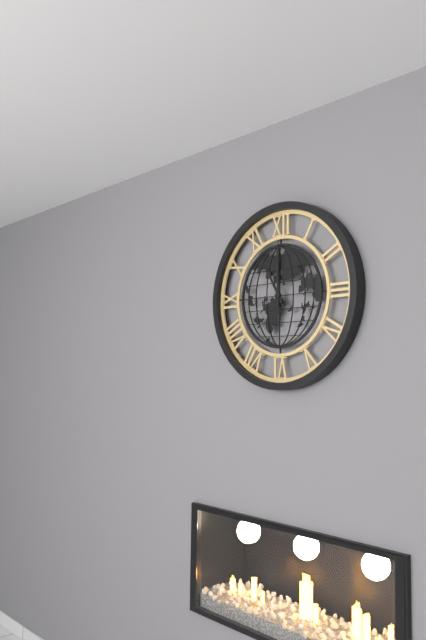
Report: 11:00
